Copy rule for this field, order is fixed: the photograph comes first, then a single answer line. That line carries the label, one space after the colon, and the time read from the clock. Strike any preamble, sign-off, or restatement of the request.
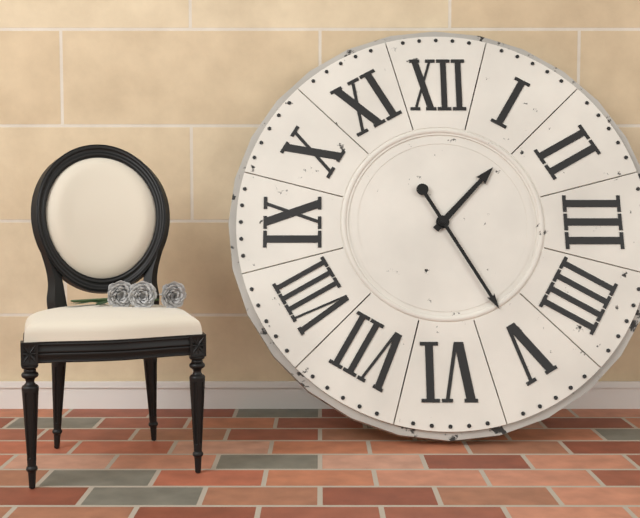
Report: 1:25
